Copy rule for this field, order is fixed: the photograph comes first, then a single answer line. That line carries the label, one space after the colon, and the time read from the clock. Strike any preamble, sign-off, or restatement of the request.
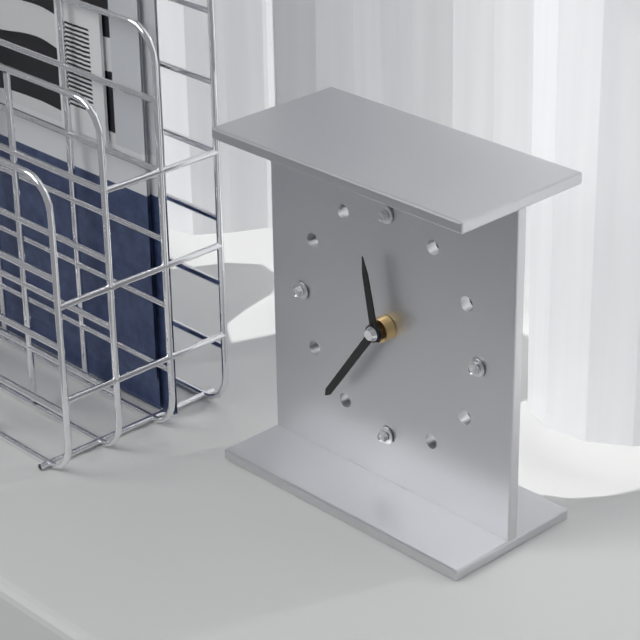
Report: 11:36
